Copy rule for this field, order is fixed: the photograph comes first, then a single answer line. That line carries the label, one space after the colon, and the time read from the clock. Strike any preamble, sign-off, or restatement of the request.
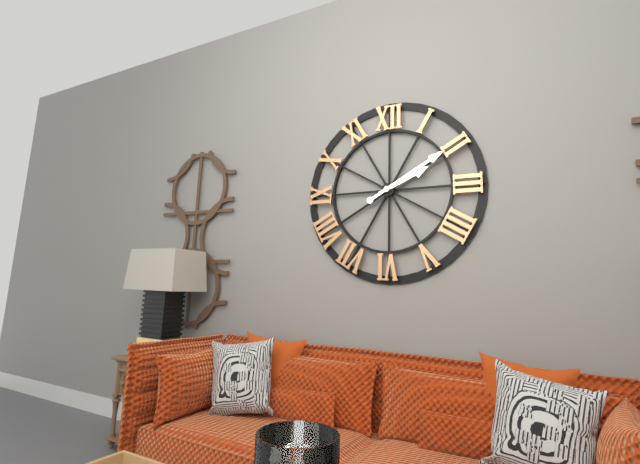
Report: 2:10
